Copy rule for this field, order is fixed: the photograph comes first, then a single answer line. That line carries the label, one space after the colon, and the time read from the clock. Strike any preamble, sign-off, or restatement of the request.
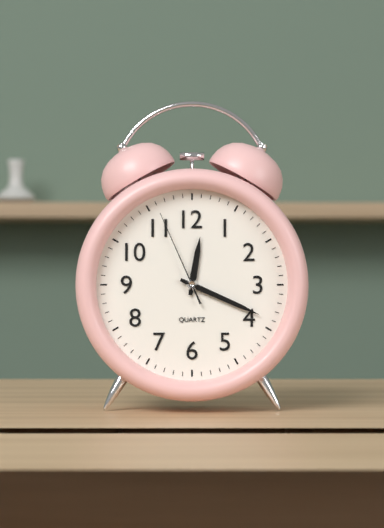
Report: 12:19:56
